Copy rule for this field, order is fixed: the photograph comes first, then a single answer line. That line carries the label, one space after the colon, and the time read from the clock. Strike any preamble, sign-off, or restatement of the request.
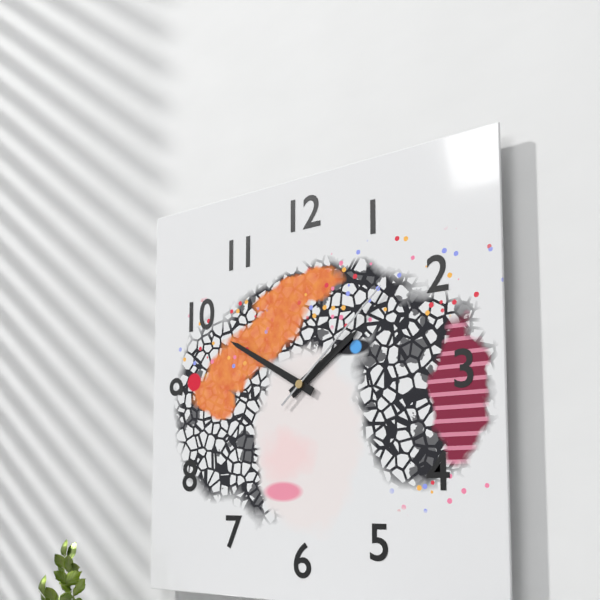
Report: 1:50:08
